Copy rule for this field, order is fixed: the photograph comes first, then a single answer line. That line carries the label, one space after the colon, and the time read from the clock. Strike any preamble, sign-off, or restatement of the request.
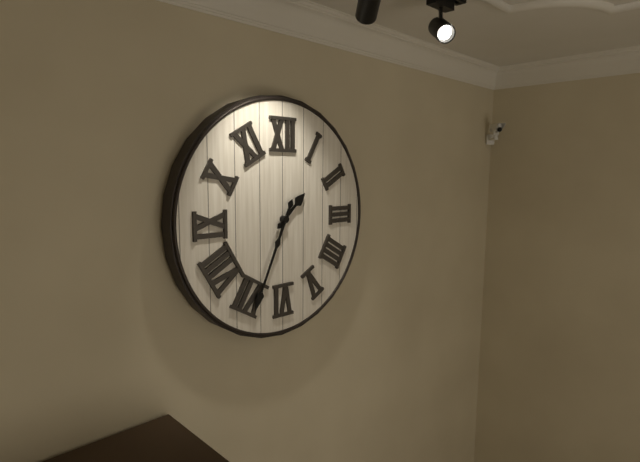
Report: 1:34
